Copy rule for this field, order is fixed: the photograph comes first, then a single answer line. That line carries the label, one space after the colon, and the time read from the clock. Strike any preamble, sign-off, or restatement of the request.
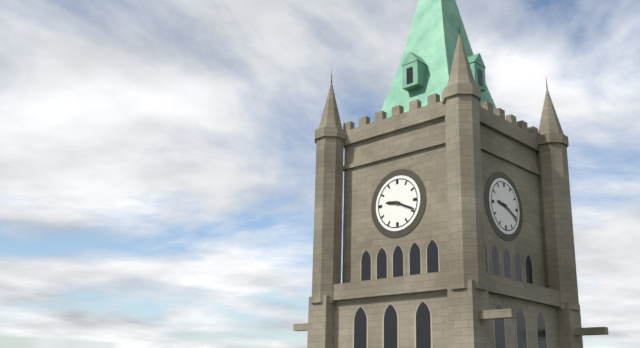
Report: 9:19
